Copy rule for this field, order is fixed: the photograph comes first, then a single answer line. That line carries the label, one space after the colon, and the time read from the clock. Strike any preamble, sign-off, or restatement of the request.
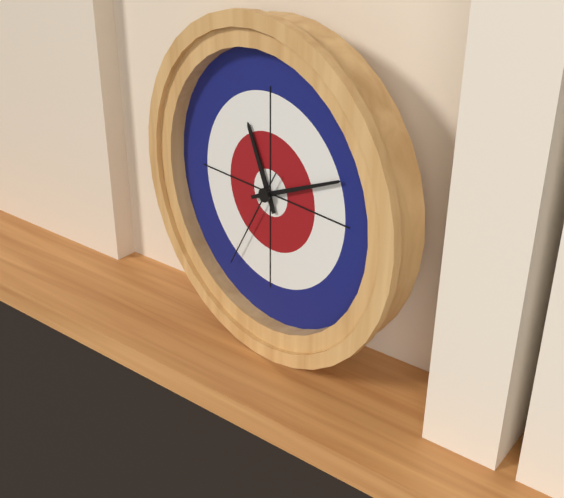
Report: 11:11:35
